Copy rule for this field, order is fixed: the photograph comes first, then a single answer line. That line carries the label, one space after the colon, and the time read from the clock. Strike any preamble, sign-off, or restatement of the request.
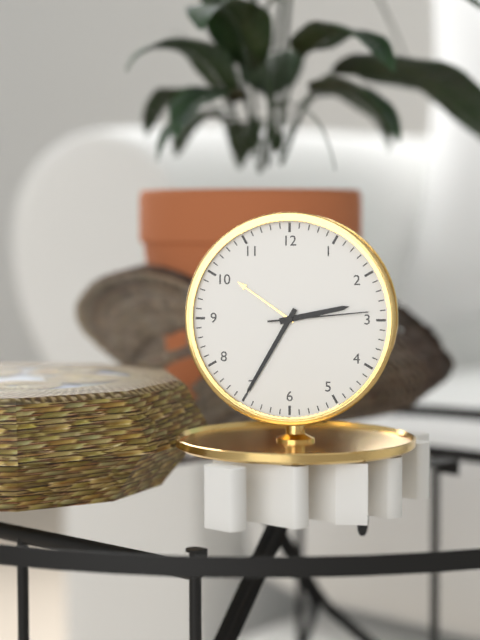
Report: 2:35:14
